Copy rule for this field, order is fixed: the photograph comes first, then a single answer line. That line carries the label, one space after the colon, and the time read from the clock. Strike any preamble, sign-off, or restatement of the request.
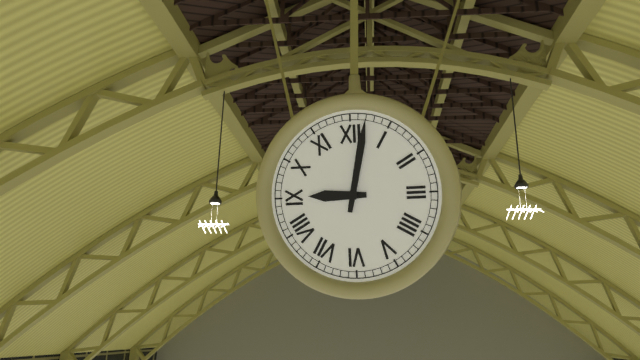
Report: 9:02
